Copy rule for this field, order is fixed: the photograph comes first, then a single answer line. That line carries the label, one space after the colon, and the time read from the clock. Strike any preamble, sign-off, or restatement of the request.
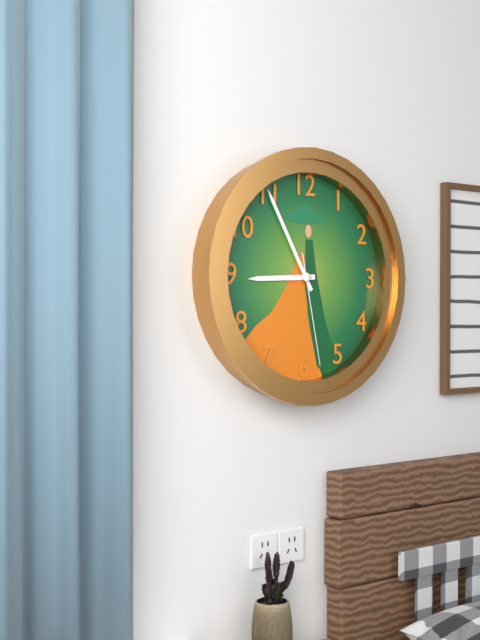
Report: 8:55:28
